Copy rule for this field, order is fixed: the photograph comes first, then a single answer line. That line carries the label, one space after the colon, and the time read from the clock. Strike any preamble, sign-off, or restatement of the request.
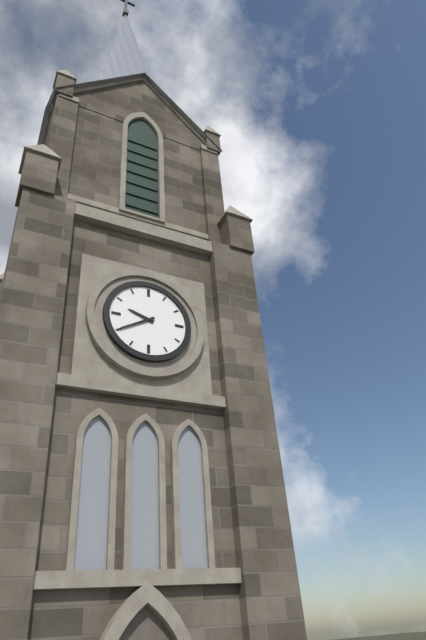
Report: 9:40
